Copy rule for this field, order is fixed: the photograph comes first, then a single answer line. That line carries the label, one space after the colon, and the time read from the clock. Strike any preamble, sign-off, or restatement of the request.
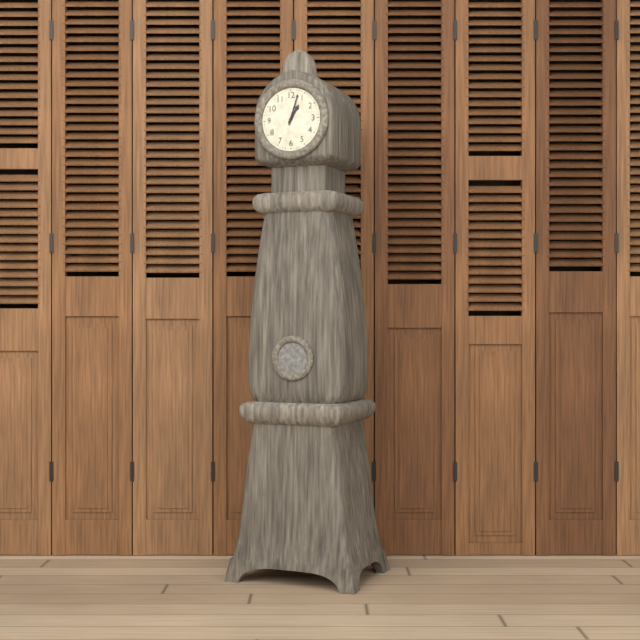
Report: 1:03
